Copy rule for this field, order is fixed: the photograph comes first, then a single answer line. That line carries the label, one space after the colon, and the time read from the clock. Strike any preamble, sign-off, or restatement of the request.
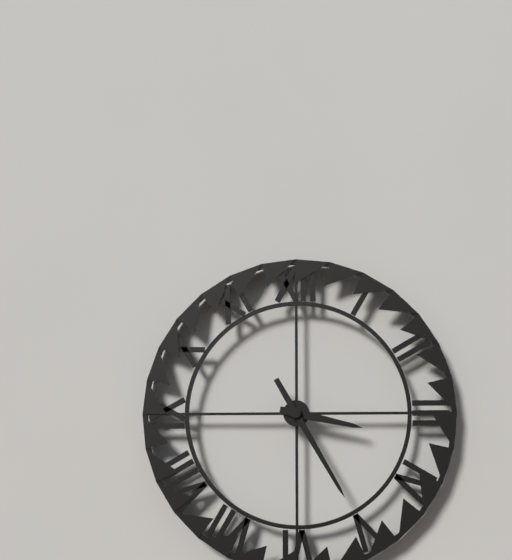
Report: 3:25
